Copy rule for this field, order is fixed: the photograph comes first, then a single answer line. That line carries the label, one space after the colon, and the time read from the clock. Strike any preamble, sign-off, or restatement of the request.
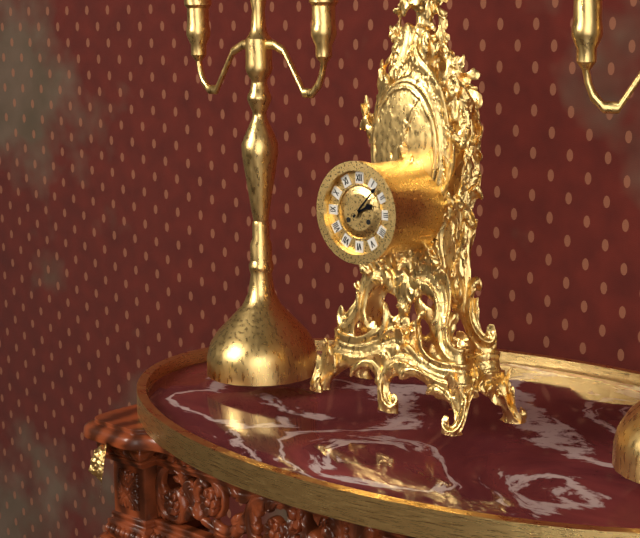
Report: 2:07
